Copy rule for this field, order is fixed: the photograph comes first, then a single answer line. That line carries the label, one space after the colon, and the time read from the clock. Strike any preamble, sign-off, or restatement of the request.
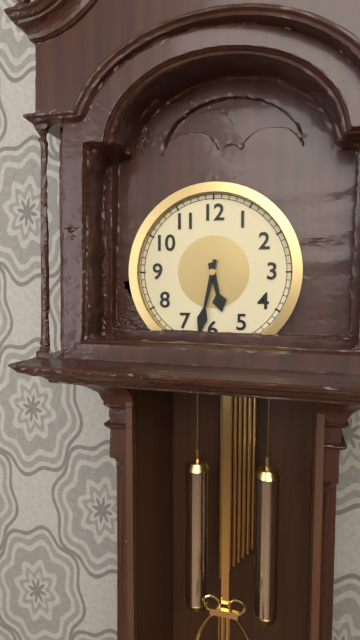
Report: 5:32
